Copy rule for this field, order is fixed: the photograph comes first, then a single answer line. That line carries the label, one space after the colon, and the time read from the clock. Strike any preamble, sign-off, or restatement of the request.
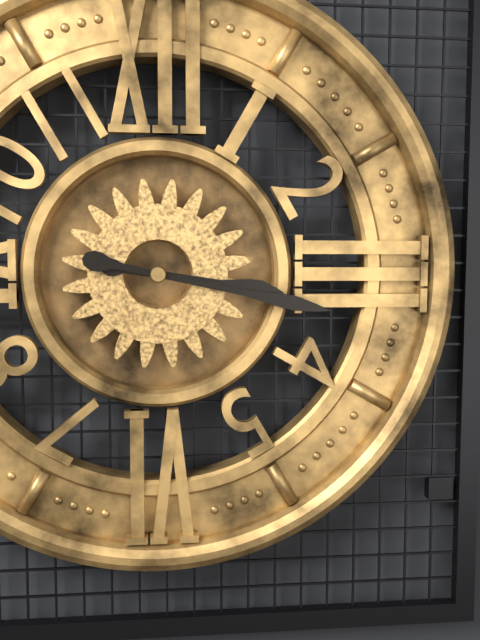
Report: 3:17
